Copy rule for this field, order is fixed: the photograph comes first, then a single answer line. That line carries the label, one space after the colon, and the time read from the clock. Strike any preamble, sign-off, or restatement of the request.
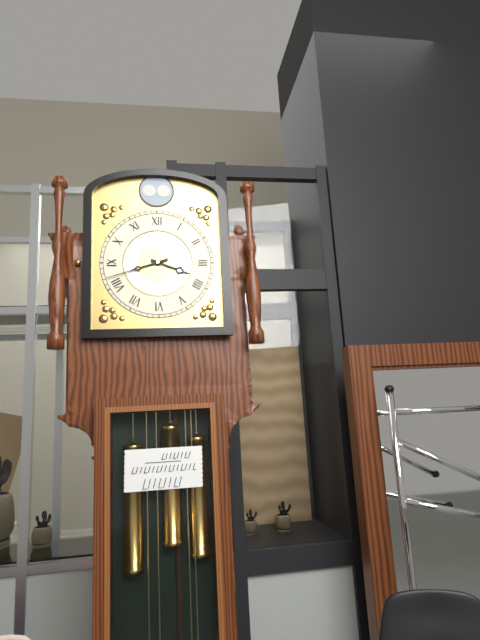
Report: 3:42
